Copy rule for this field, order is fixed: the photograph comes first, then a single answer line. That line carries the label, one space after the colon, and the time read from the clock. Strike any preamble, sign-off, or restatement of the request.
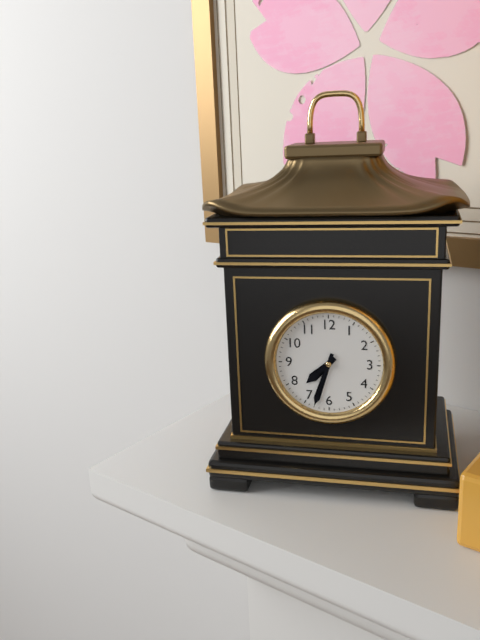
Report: 7:33
